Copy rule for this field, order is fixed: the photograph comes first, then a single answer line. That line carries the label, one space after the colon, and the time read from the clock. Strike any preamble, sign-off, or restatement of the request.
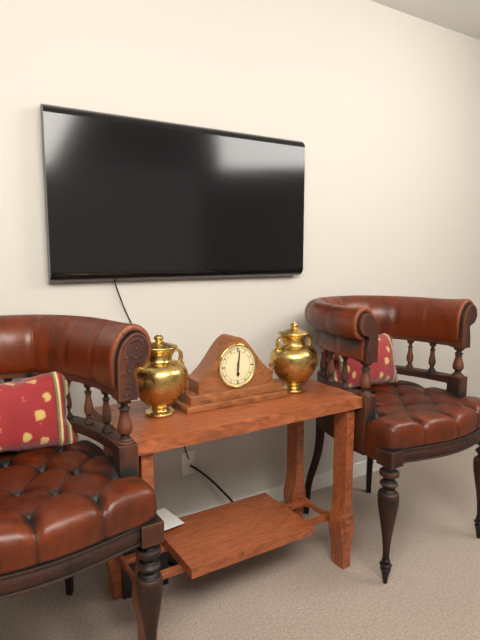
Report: 6:01
